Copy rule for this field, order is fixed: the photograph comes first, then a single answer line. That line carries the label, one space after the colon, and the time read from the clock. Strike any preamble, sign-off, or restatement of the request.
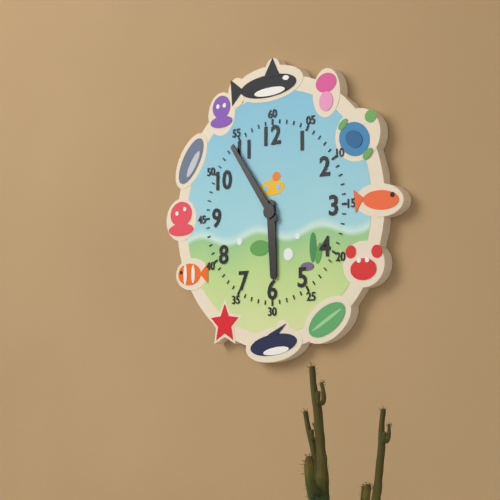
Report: 5:54
